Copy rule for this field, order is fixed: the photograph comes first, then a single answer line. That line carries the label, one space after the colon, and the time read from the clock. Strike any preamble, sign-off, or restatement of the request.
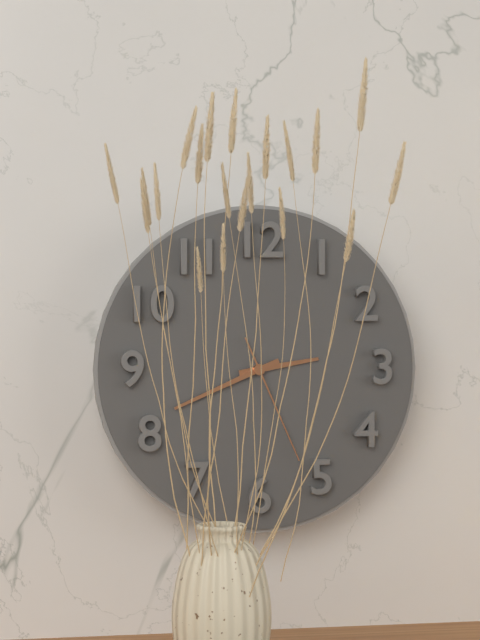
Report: 2:41:26
